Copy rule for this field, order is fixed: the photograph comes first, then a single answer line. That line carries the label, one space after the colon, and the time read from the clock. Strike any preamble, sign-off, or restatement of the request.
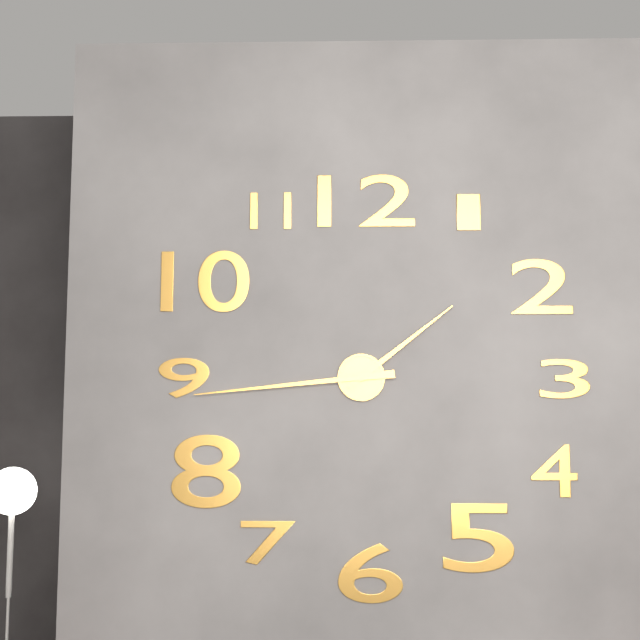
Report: 1:44
